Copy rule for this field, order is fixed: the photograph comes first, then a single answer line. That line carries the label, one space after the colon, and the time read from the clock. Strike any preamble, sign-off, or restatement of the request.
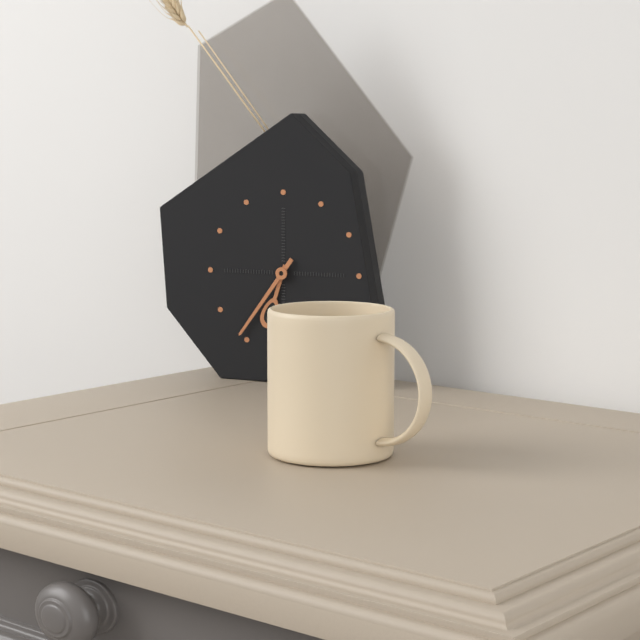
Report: 6:36
